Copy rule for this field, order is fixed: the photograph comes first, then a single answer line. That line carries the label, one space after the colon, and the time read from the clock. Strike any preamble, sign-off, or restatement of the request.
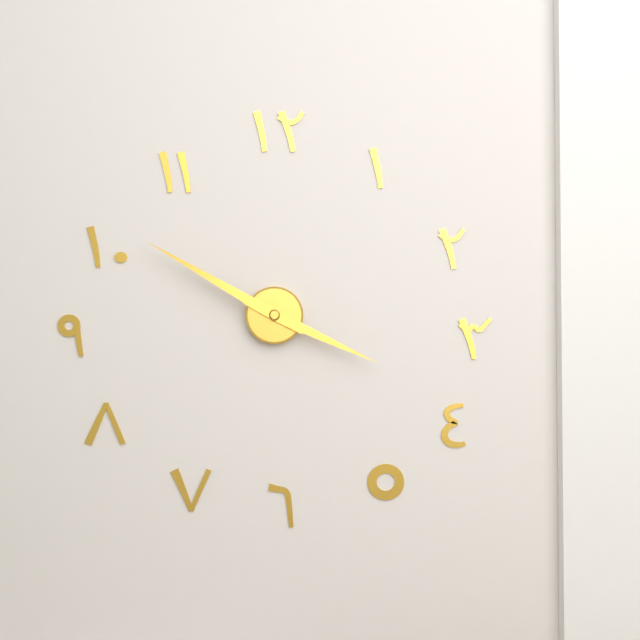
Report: 3:50
